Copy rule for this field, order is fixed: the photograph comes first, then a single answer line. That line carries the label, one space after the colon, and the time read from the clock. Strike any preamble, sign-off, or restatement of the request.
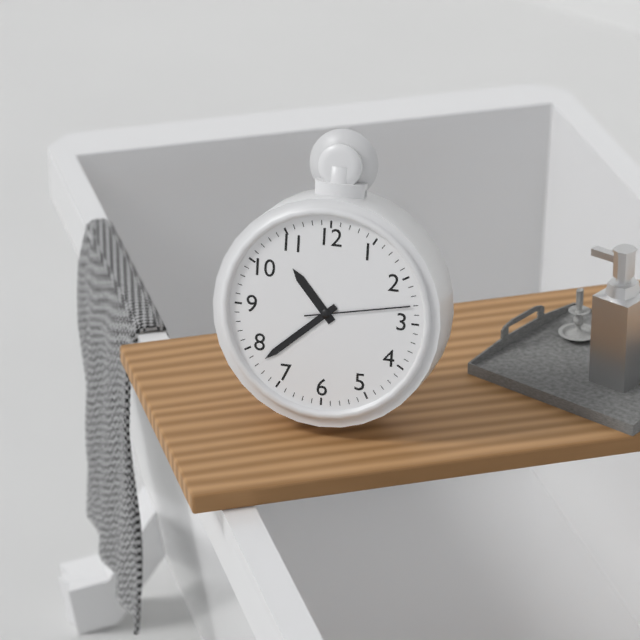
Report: 10:38:13
